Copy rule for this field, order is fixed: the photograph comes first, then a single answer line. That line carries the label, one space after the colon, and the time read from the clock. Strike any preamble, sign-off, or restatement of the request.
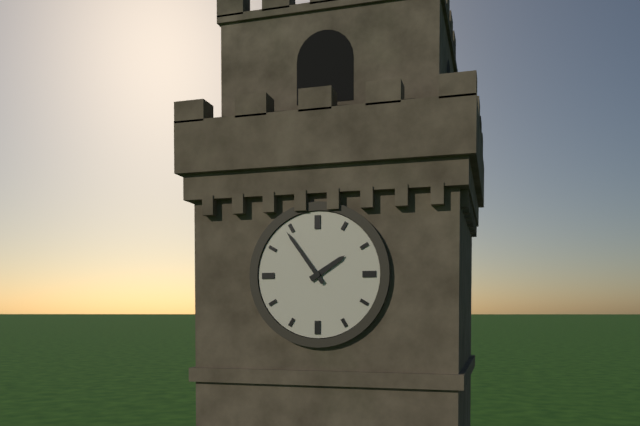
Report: 1:54
